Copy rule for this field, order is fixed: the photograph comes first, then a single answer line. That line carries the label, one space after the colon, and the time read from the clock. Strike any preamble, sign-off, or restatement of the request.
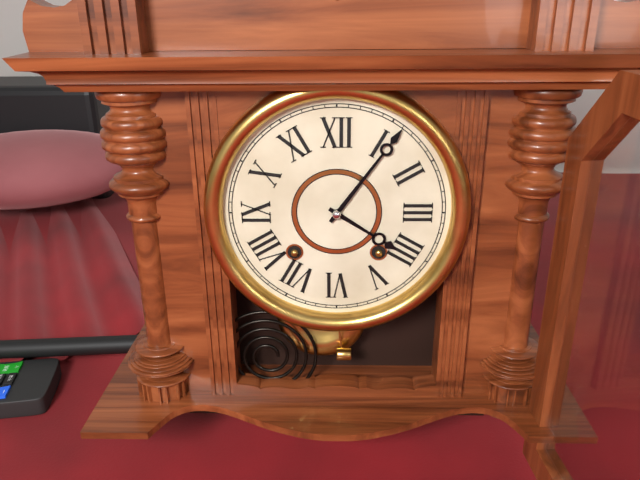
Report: 4:06
